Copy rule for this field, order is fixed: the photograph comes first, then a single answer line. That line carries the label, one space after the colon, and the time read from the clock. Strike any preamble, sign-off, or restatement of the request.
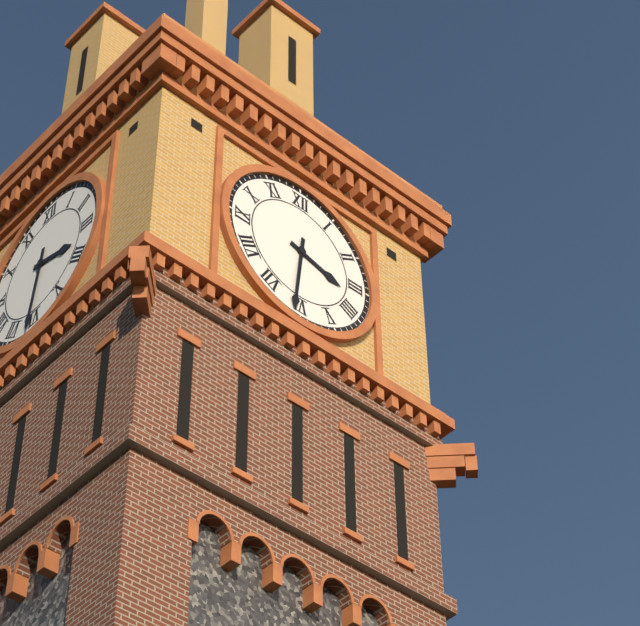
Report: 3:31
